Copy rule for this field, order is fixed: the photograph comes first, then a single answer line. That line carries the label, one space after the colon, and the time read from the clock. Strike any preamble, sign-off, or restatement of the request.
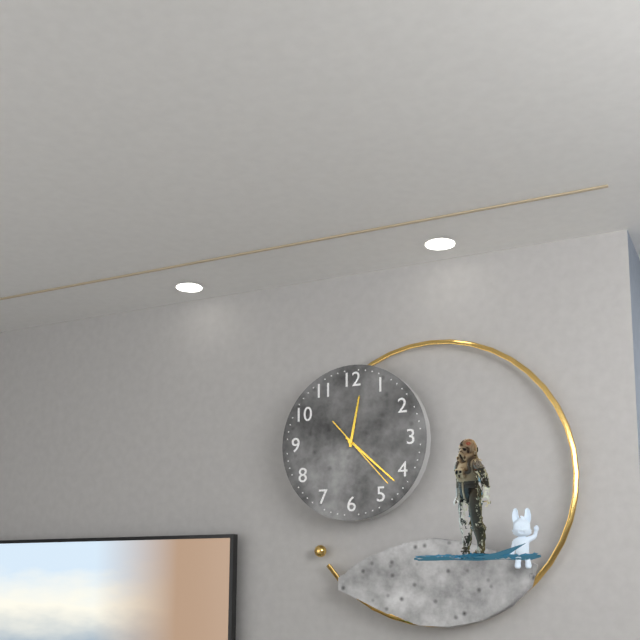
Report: 12:22:23
